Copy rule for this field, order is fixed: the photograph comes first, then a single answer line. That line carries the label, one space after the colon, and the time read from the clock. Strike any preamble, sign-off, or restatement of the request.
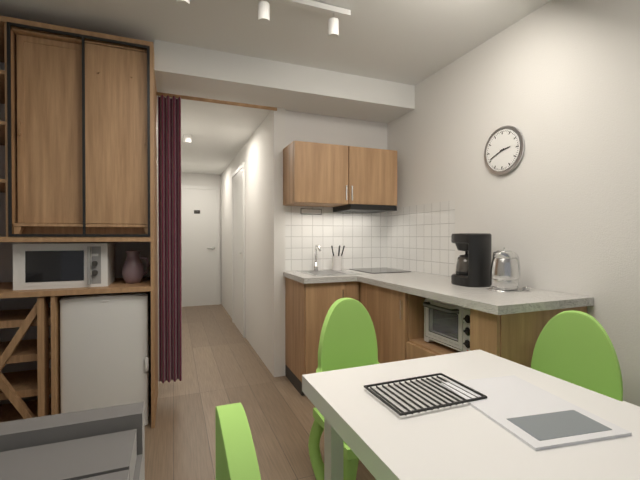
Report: 2:41
